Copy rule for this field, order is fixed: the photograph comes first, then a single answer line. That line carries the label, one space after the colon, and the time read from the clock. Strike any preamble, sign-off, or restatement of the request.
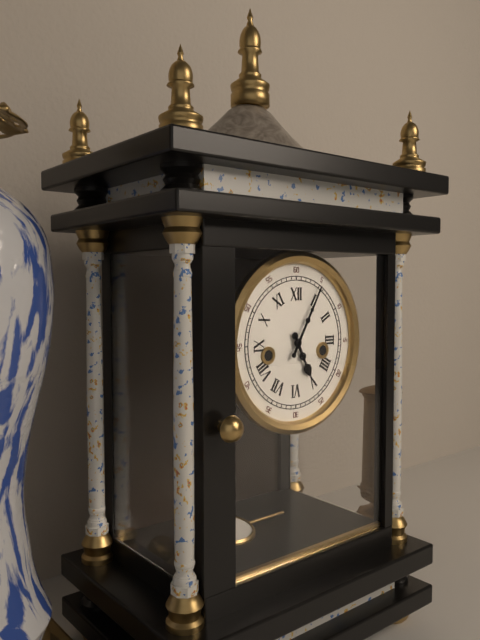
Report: 5:05
